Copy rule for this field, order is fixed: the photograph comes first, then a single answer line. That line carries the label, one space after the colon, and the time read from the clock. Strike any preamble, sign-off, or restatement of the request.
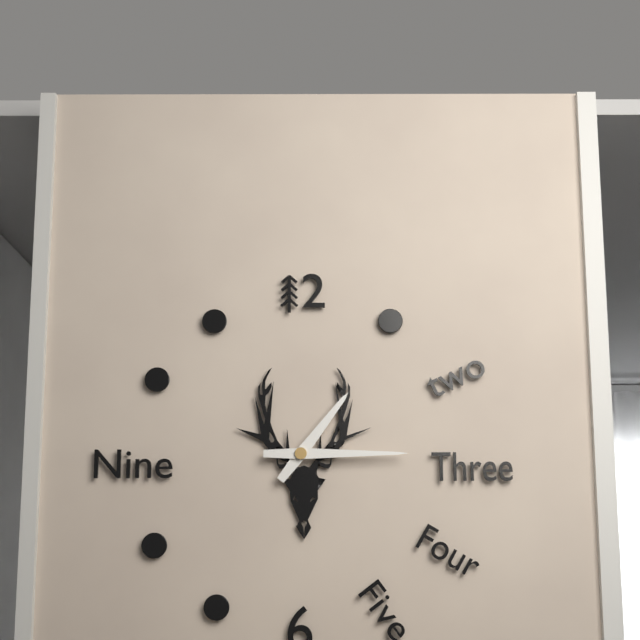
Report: 1:15
